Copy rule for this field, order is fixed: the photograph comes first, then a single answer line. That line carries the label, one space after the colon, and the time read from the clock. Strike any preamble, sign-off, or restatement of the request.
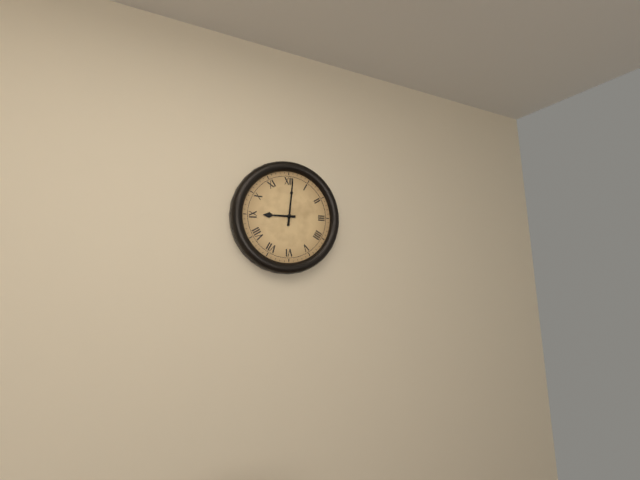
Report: 9:01
